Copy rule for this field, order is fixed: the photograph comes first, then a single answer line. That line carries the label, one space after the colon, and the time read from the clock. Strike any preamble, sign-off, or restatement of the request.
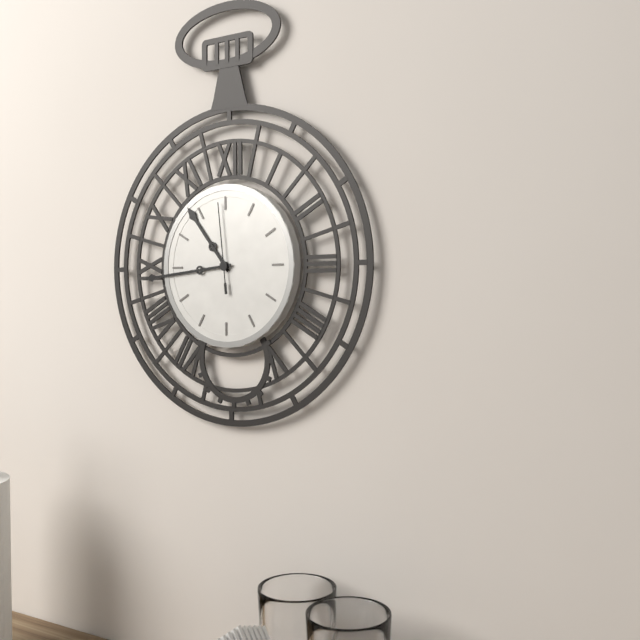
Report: 10:44:59
